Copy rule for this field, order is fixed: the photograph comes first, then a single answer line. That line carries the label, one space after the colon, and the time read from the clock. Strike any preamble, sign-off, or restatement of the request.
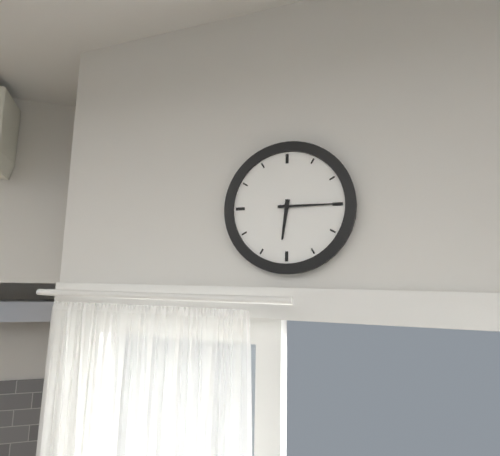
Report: 6:15
